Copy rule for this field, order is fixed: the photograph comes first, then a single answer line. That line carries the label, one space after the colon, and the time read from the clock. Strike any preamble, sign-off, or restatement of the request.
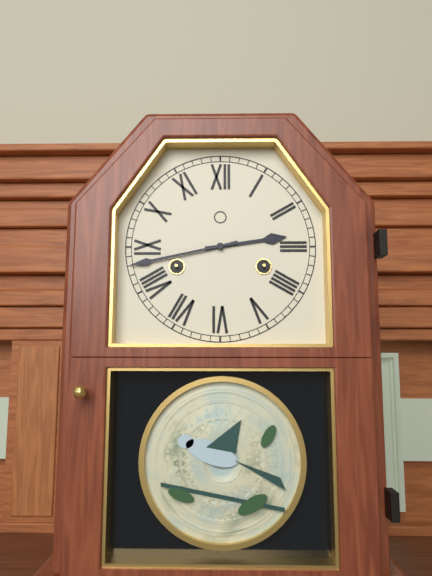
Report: 2:43
